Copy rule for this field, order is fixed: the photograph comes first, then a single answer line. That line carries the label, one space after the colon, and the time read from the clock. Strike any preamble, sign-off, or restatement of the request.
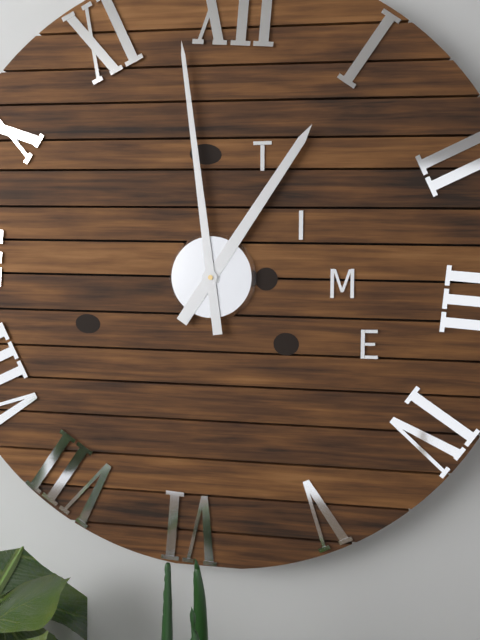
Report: 12:58
